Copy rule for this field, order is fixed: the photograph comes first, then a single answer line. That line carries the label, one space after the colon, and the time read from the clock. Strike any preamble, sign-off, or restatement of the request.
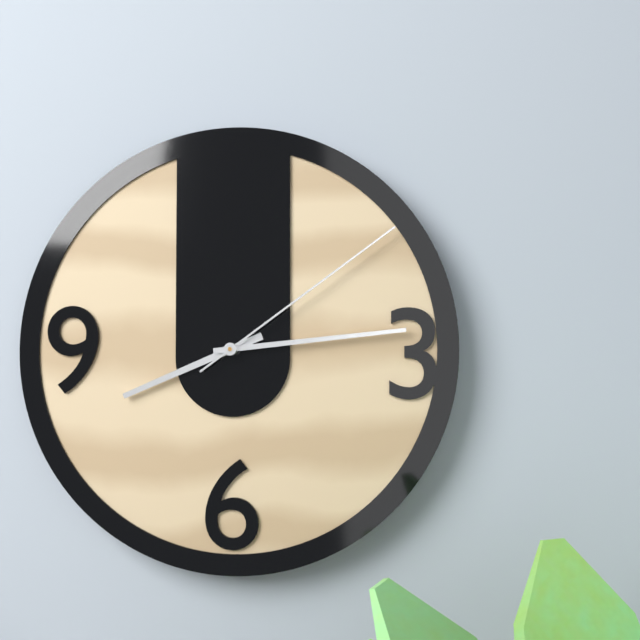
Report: 8:14:09
